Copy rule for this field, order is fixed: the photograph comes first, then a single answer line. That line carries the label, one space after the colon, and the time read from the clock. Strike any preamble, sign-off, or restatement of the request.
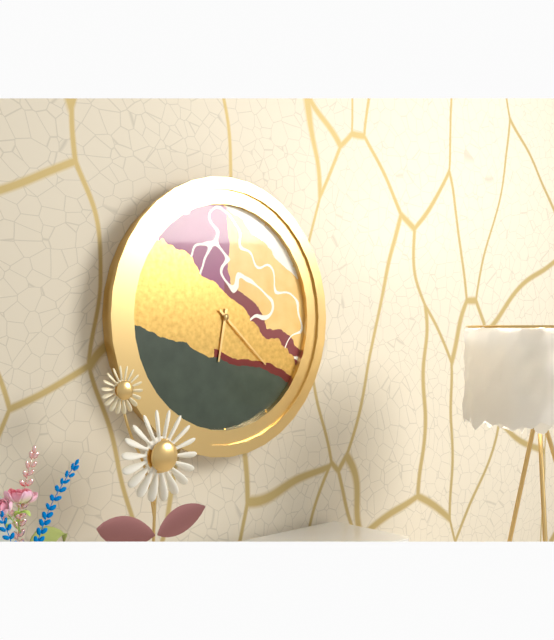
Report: 6:22
